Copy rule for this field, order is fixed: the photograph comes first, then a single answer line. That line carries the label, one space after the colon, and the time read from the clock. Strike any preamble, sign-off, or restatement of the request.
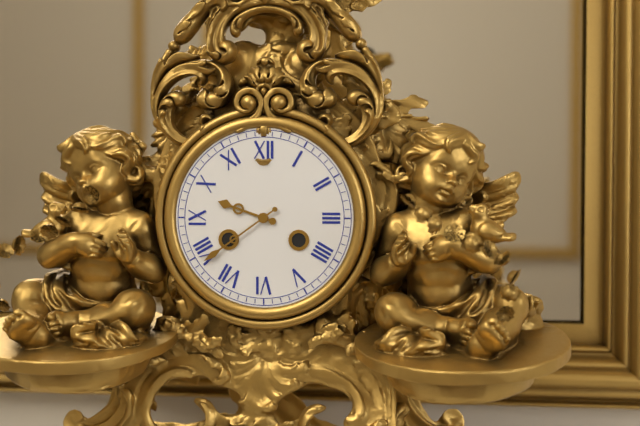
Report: 9:39
